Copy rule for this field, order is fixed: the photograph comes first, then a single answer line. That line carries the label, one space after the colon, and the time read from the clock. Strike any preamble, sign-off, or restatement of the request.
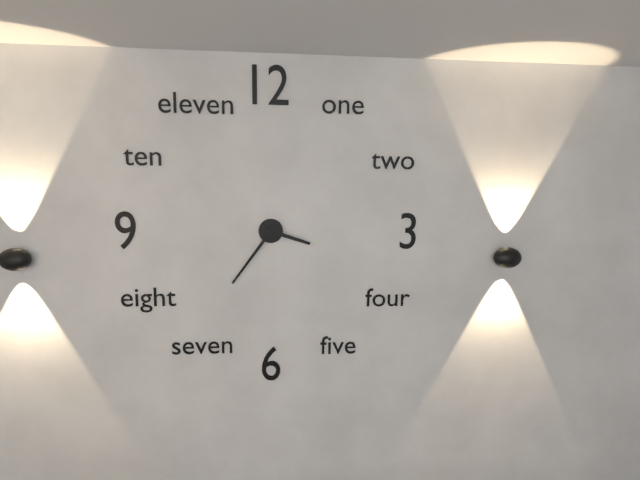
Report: 3:36
